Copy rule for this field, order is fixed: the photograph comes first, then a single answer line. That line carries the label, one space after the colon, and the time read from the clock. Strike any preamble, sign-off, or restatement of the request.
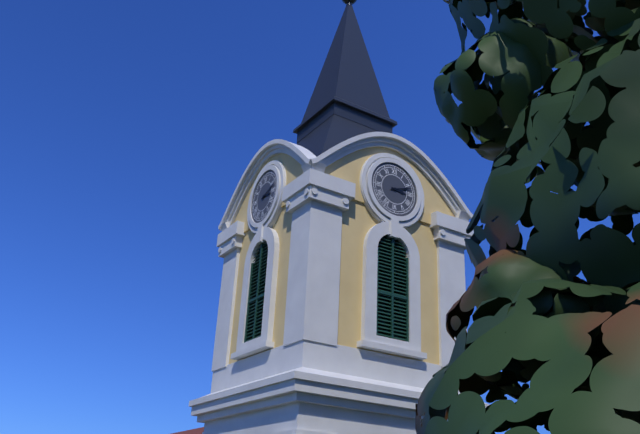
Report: 3:12
